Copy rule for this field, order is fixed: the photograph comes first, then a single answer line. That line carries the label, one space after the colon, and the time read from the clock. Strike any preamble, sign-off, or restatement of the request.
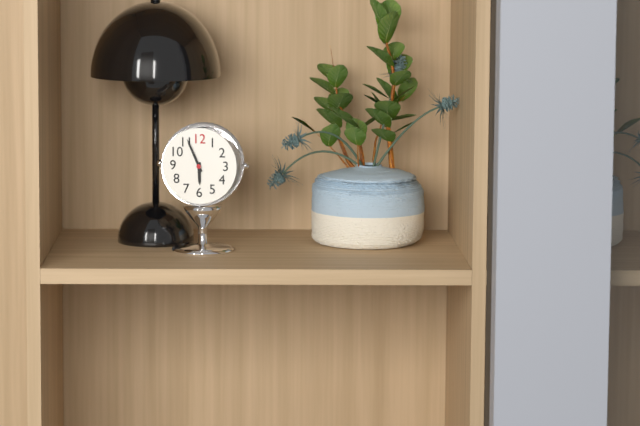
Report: 5:56
